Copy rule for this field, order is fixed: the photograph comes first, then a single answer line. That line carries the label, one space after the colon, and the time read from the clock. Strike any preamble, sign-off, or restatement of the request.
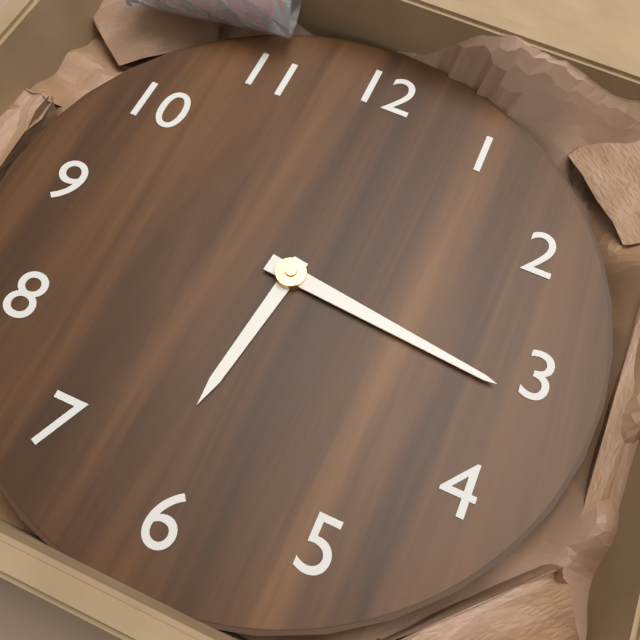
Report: 6:16
